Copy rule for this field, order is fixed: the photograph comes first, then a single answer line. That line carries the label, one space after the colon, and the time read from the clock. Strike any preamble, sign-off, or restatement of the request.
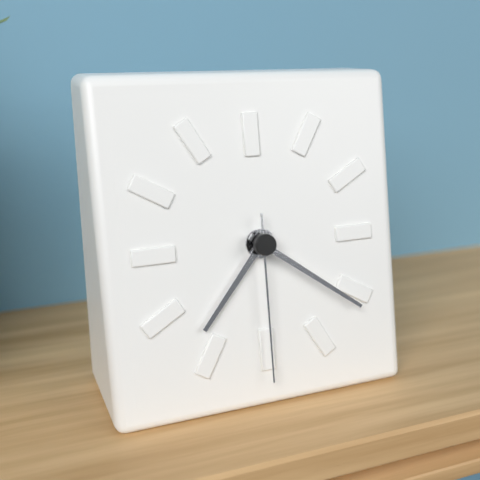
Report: 7:21:30
